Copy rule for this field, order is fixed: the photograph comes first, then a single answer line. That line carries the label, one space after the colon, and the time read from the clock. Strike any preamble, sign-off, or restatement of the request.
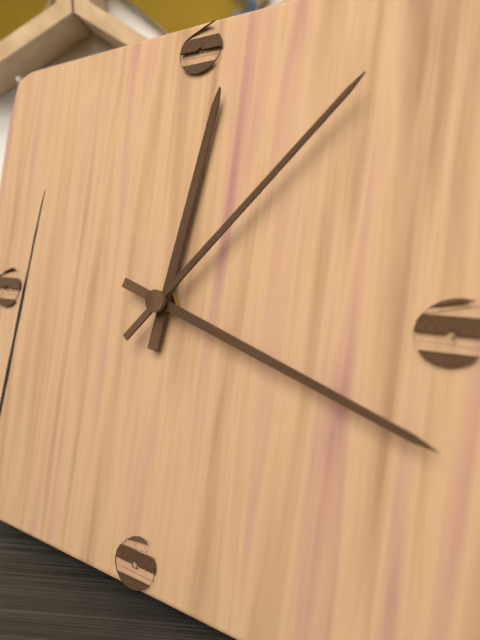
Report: 12:18:07
